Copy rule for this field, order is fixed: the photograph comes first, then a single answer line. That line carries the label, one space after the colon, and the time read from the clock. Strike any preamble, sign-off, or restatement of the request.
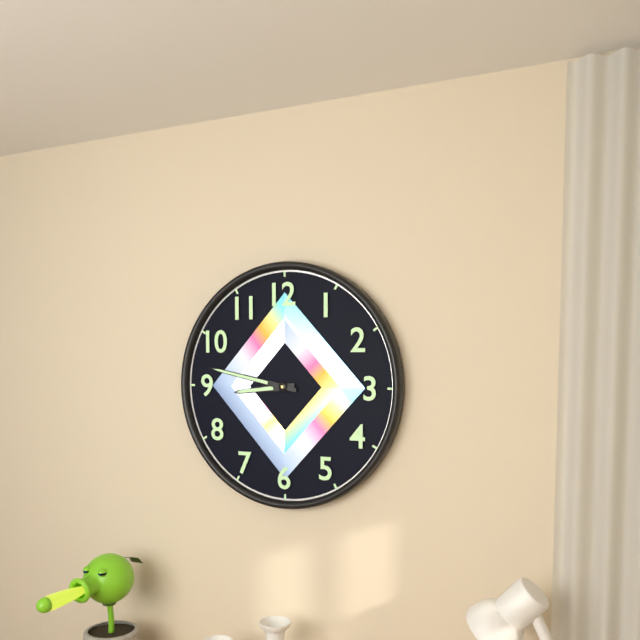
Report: 8:47
